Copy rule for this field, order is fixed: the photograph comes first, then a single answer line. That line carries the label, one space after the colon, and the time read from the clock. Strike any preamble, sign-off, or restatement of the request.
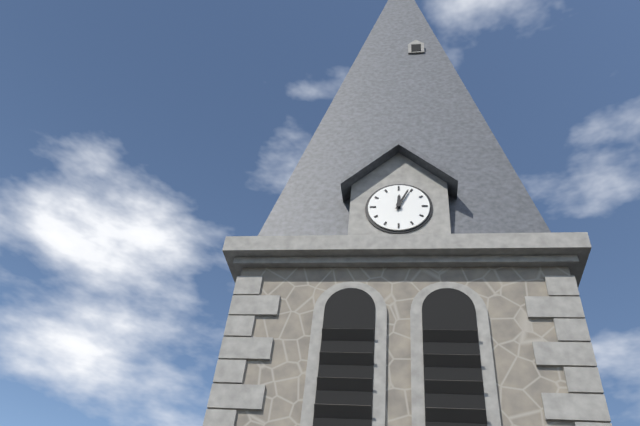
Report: 12:04
